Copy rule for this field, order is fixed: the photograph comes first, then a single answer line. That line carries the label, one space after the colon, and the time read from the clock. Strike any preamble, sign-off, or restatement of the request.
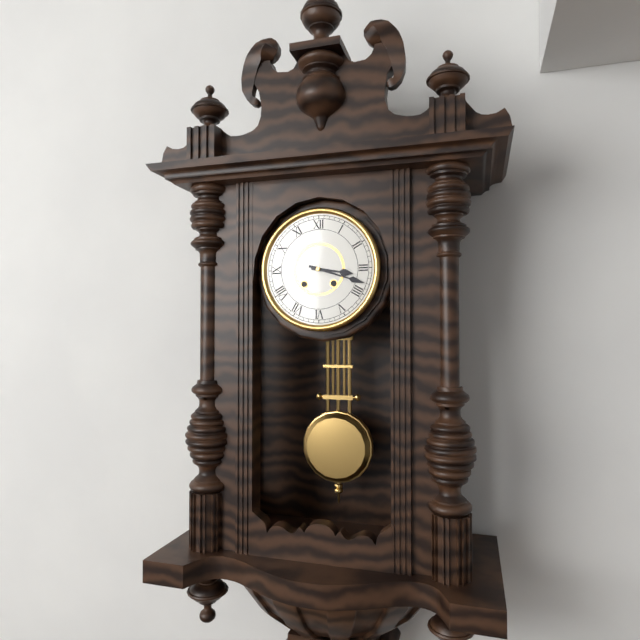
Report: 3:18
